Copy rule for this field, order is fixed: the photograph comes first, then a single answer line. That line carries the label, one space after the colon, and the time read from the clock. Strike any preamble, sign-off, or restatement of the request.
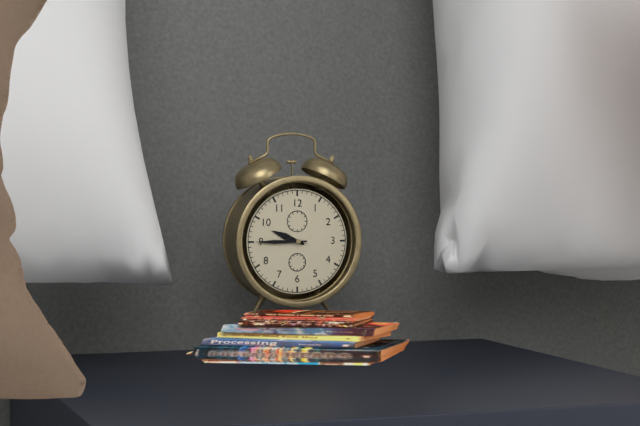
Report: 9:45
